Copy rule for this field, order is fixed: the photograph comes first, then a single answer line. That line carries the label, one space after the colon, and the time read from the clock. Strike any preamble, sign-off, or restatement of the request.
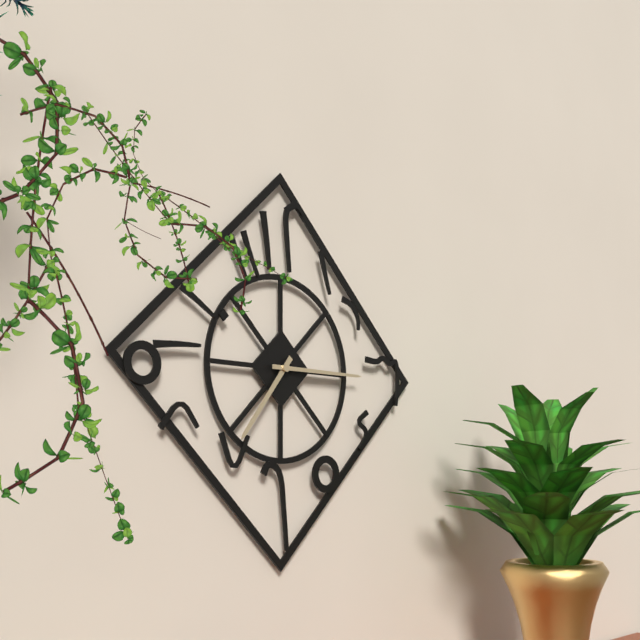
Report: 7:15
